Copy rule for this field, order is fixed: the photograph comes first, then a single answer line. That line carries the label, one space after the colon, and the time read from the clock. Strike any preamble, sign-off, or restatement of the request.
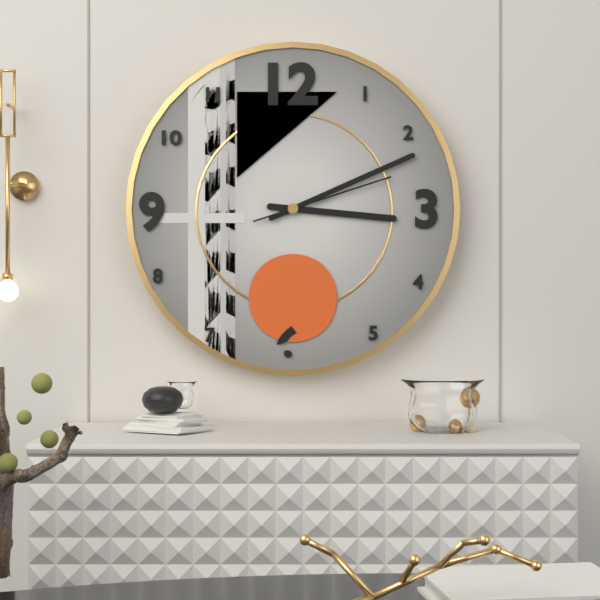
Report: 3:11:12
